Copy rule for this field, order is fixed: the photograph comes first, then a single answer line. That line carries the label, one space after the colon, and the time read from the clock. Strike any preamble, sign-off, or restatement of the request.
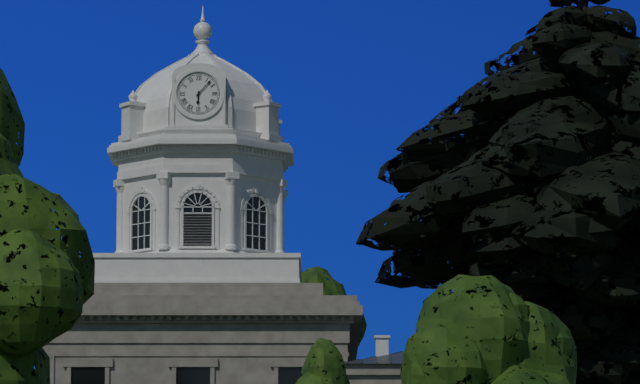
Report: 6:07
